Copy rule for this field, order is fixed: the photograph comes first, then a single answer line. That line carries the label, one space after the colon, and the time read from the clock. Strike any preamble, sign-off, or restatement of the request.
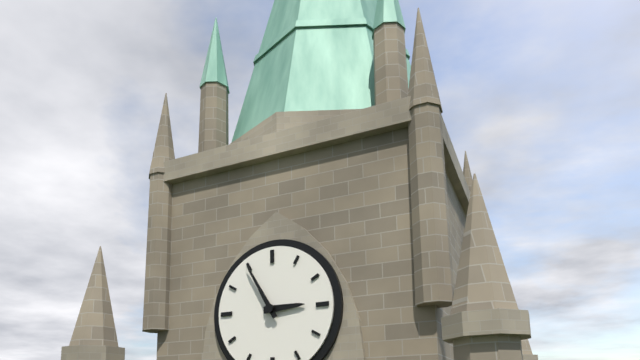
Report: 2:55
